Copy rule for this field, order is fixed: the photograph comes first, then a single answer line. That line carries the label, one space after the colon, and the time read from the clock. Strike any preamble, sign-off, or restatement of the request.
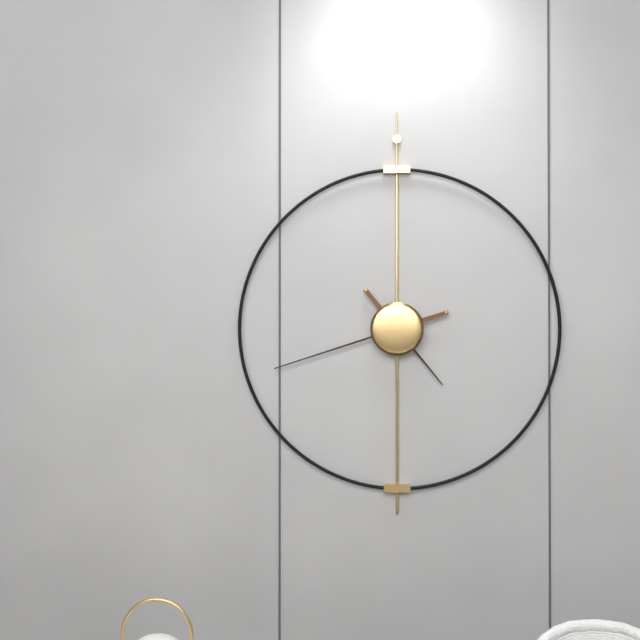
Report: 4:42
